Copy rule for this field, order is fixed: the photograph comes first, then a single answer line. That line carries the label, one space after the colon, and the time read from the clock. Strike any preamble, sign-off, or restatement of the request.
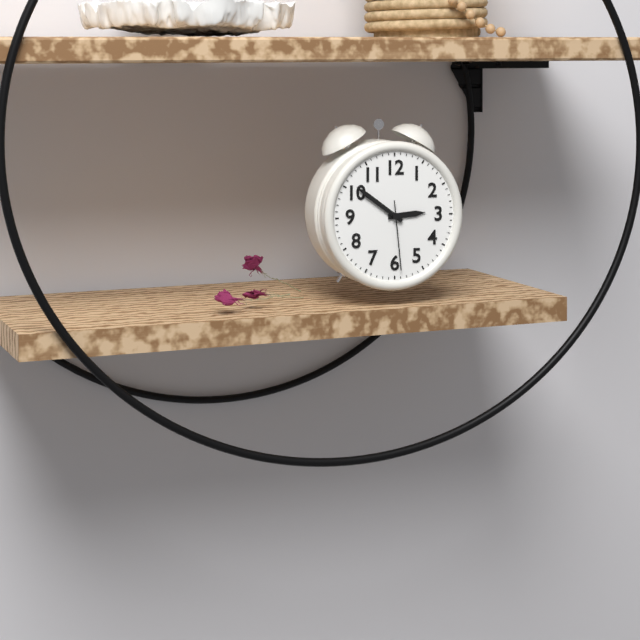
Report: 2:51:29
